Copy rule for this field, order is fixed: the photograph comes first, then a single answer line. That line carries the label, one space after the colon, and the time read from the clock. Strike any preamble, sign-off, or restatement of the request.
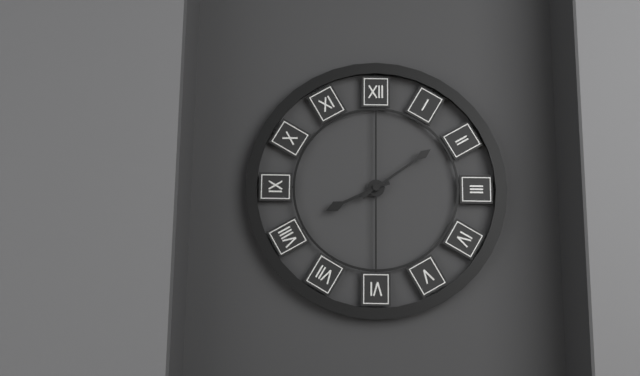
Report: 8:09
